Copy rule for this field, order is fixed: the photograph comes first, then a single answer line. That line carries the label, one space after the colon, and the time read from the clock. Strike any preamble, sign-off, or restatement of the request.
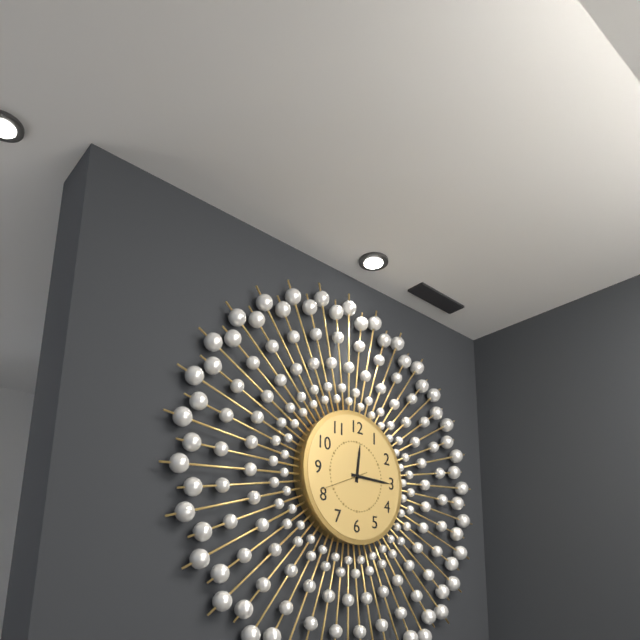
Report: 12:15:41
